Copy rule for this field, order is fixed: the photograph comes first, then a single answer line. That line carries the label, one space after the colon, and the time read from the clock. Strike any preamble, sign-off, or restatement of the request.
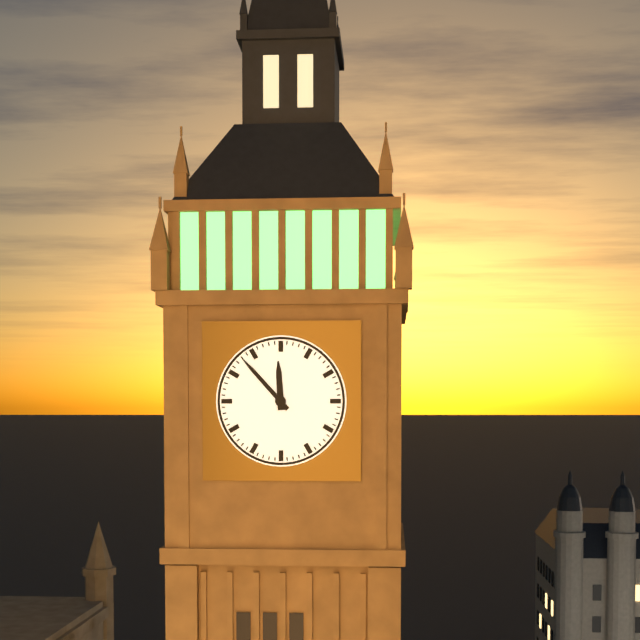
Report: 11:53
